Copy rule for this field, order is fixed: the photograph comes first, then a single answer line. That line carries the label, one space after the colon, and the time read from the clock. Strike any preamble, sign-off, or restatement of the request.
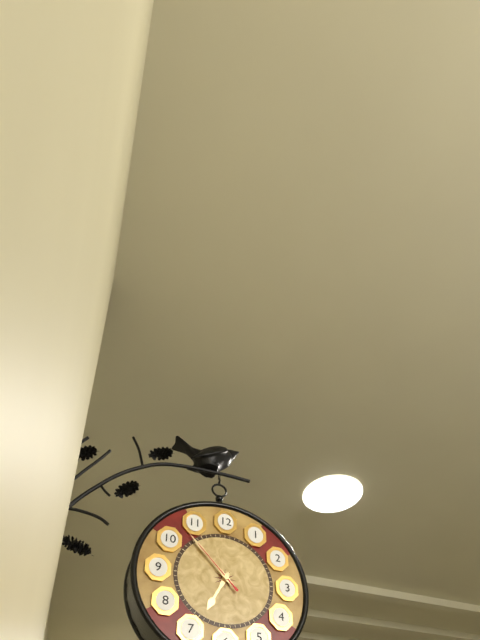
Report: 6:53:53
